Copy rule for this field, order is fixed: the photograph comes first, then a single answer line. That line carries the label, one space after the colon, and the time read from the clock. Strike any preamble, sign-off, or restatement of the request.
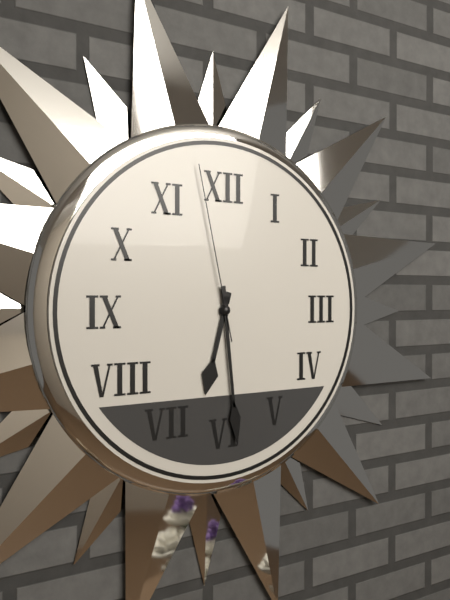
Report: 6:29:58
